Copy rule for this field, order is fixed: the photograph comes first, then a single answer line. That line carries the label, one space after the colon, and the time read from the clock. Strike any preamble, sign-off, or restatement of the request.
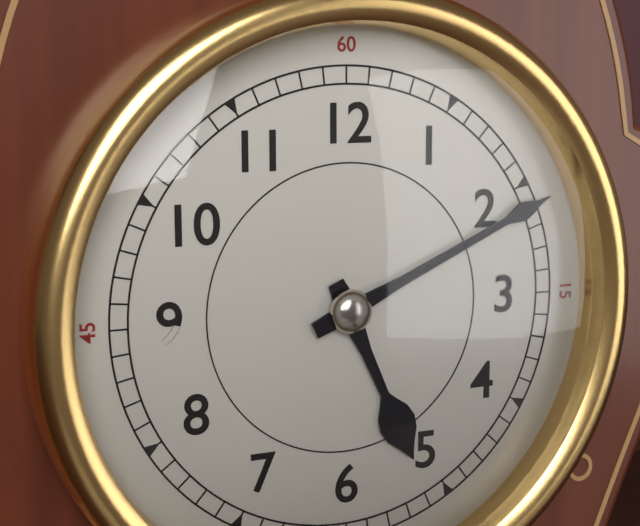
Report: 5:11
